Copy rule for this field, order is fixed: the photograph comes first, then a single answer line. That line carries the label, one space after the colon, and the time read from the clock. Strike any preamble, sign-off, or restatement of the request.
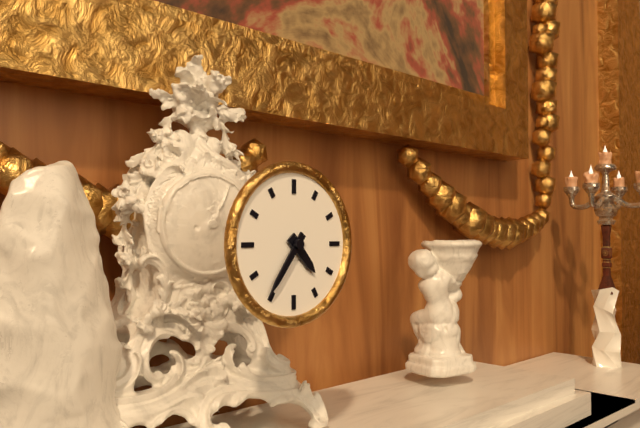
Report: 4:36
